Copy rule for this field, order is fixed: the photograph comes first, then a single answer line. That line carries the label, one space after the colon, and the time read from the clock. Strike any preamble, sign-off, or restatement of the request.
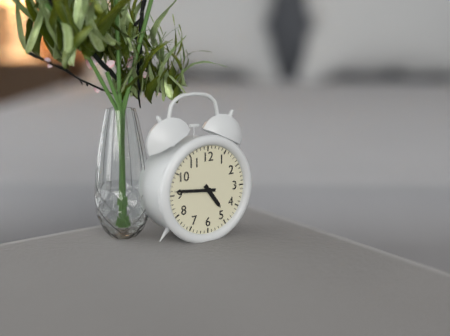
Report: 4:46
